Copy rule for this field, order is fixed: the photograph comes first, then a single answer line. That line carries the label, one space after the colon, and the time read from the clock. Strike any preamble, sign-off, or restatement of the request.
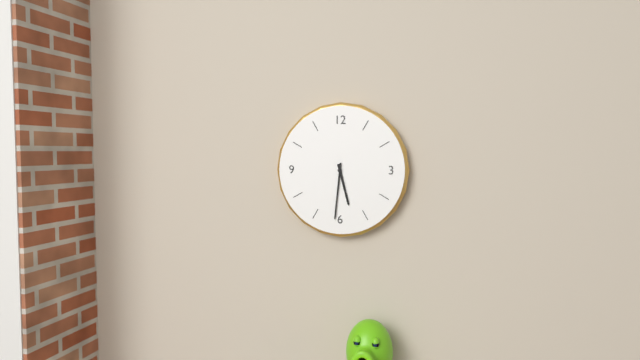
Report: 5:31
